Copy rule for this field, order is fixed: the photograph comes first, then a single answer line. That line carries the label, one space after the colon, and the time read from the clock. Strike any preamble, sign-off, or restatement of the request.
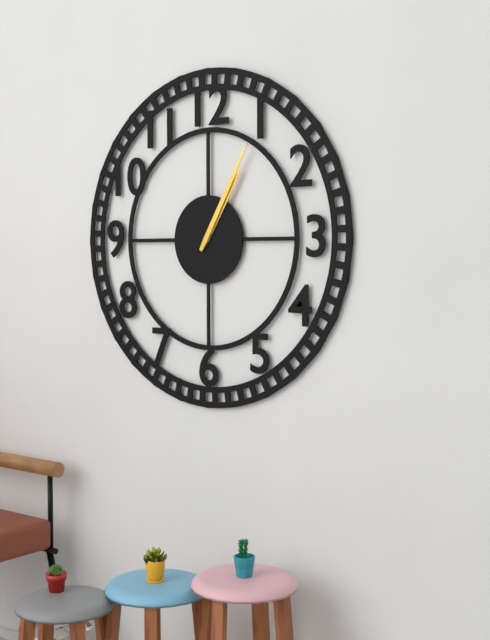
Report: 1:05
